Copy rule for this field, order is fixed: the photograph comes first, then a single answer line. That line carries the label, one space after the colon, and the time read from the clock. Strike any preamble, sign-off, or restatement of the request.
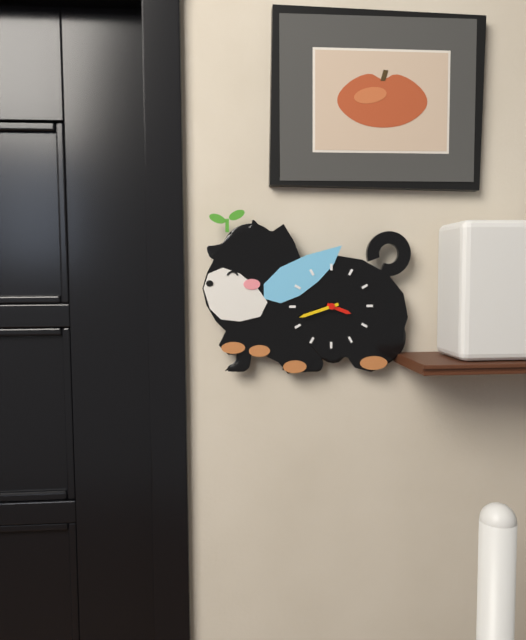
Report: 3:42
